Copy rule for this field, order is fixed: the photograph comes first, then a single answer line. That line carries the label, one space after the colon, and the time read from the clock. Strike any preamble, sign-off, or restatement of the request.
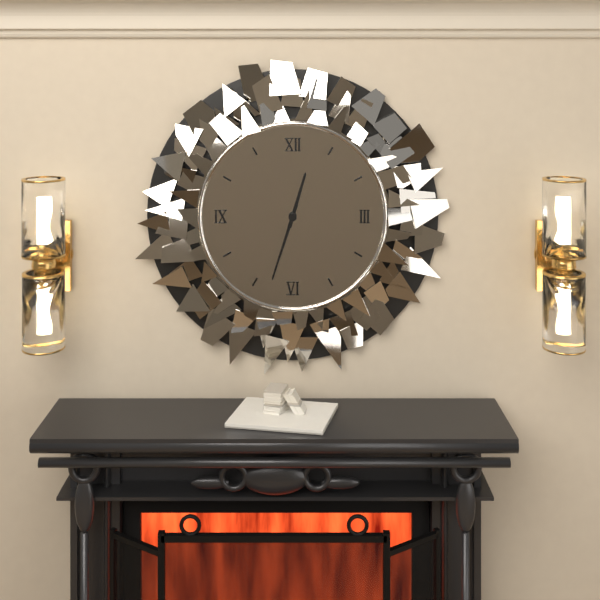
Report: 12:33
